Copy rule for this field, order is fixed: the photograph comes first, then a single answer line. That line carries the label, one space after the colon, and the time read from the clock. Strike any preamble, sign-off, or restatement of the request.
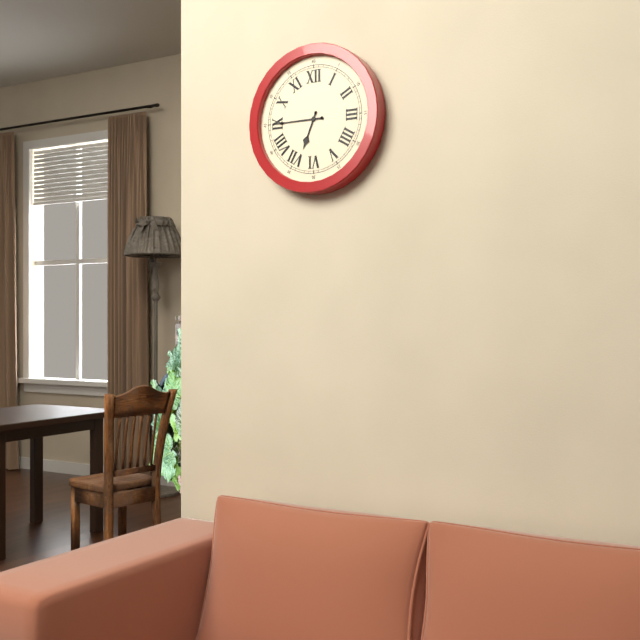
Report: 6:45
